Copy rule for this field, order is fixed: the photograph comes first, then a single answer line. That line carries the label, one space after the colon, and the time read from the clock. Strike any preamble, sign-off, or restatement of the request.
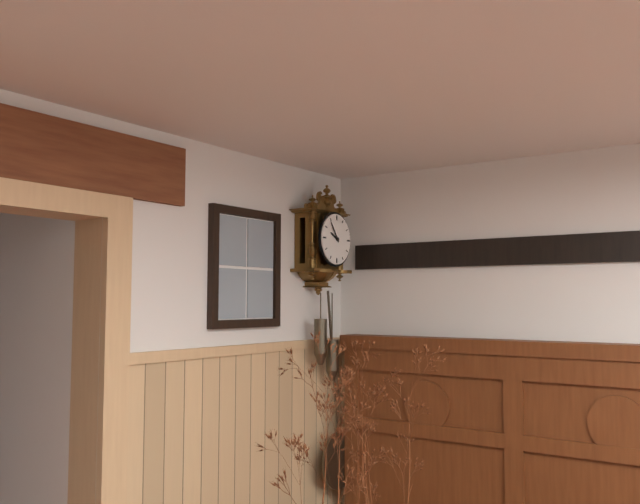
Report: 9:54
